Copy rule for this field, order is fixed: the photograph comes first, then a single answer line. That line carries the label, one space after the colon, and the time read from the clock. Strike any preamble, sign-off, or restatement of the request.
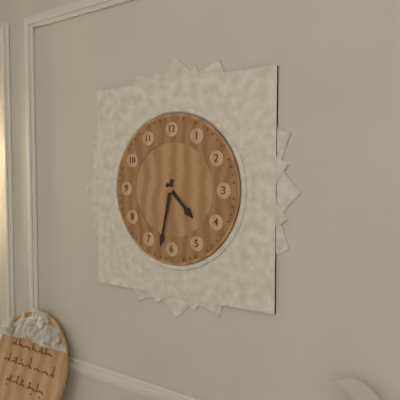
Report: 4:32
